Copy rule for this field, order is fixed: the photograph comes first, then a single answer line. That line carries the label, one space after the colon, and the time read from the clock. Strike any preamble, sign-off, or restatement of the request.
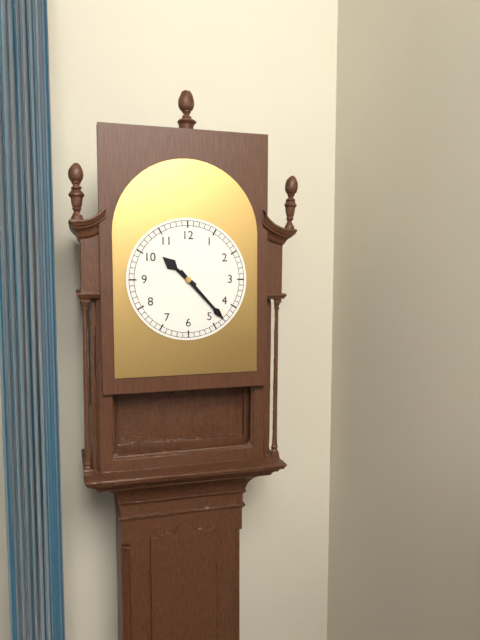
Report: 10:23
